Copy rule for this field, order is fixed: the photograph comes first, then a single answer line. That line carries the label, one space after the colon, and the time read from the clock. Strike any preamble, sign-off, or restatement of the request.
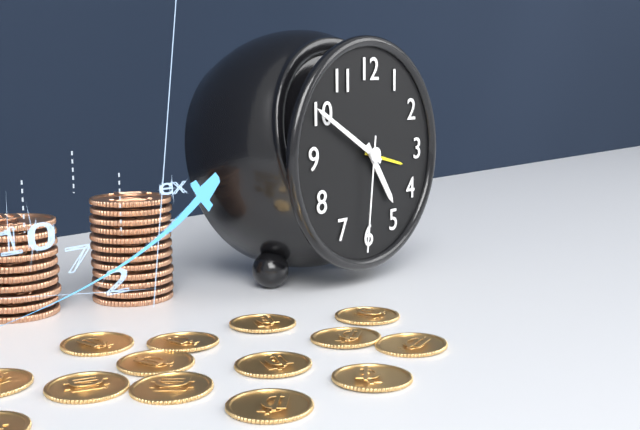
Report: 4:50:31
